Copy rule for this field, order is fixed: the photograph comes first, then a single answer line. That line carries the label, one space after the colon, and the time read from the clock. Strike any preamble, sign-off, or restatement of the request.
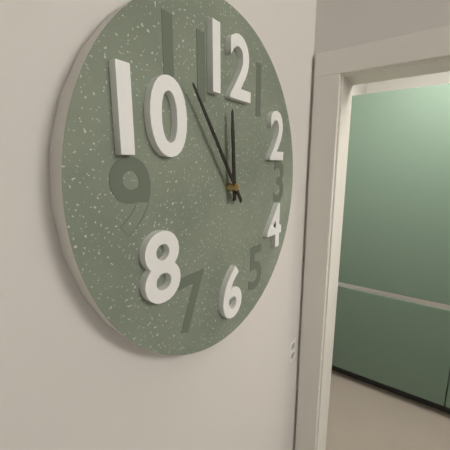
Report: 11:54
